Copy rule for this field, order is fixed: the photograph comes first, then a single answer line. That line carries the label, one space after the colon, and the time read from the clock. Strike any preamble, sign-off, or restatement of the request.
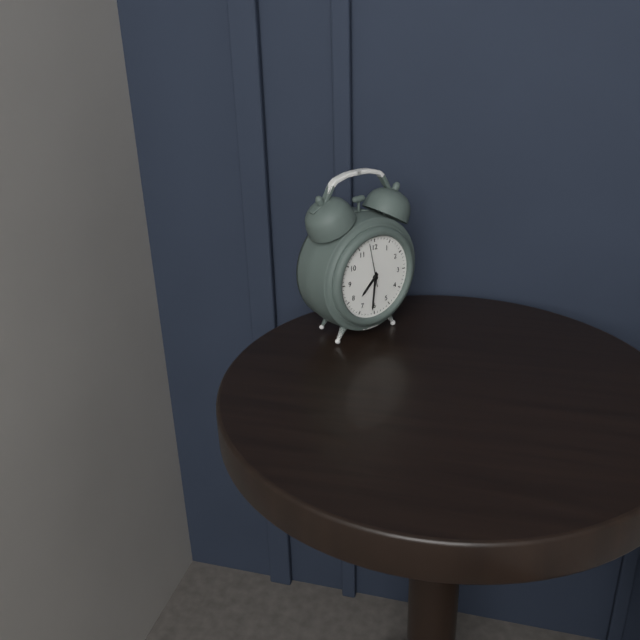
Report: 7:31
